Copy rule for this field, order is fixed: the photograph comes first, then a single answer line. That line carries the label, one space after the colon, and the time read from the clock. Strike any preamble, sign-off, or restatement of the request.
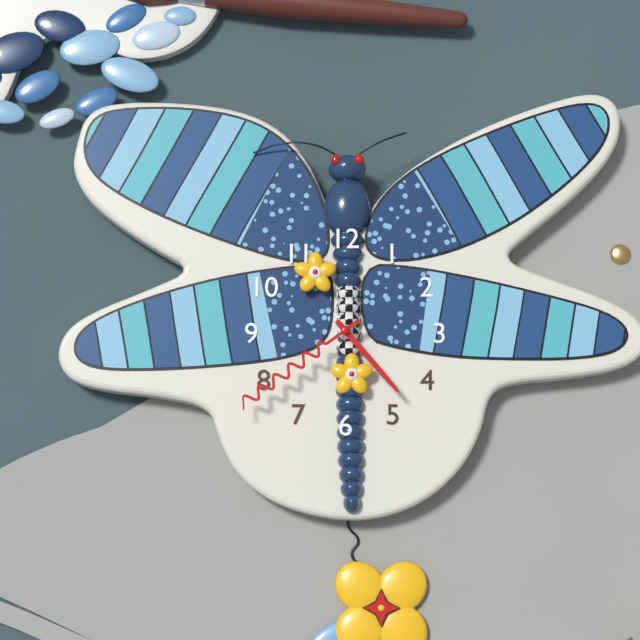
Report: 4:39
